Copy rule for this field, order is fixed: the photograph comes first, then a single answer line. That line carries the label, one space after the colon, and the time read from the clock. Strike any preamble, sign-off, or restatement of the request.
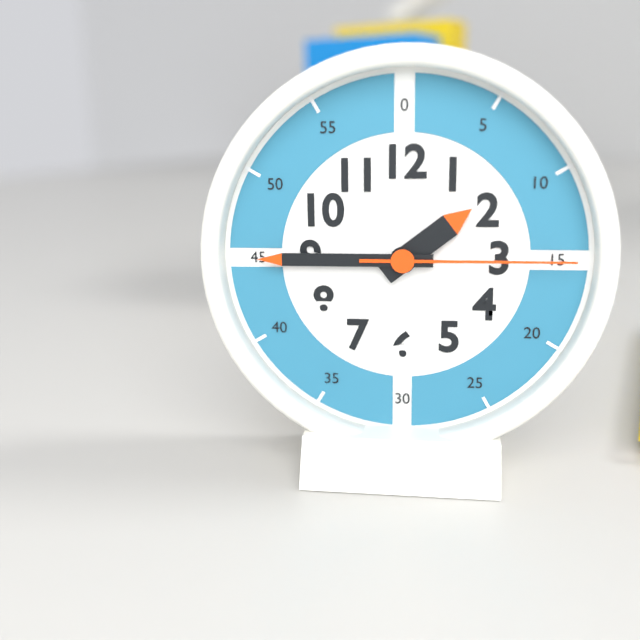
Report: 1:45:15
